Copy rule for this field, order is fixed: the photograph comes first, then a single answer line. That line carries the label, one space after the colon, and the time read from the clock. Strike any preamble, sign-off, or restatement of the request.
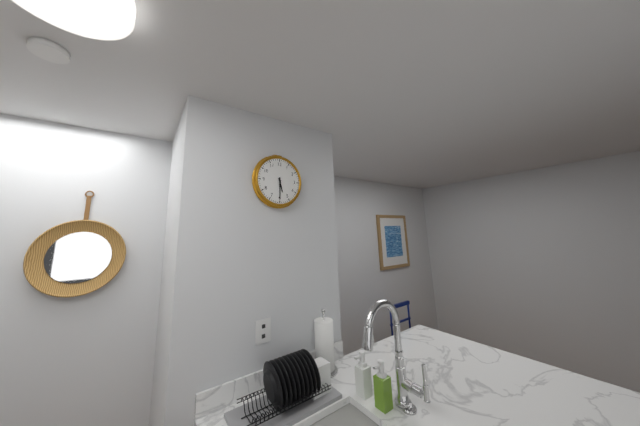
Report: 5:30
